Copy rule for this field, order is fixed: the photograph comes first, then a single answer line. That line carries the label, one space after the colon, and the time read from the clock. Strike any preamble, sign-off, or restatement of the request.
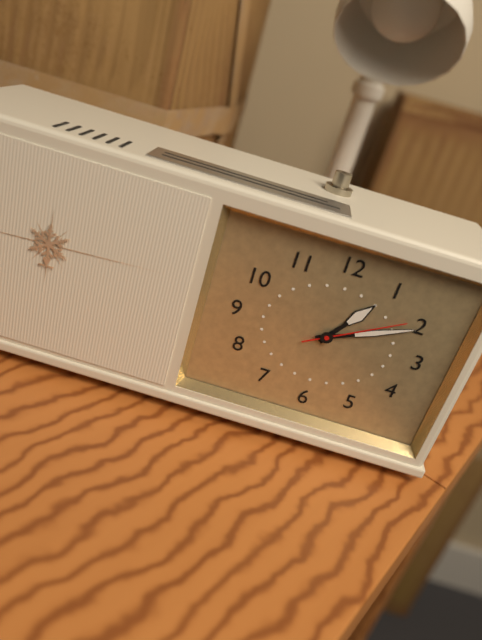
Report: 1:11:10
